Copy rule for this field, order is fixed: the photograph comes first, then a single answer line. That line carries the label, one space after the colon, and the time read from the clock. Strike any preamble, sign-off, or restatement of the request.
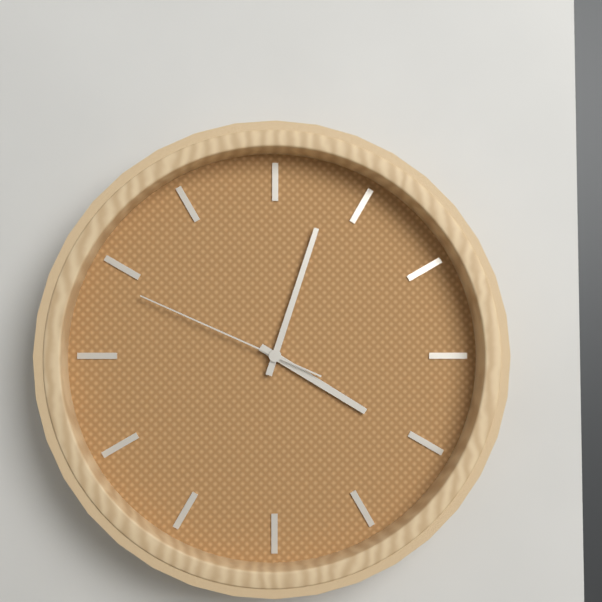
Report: 4:03:49
